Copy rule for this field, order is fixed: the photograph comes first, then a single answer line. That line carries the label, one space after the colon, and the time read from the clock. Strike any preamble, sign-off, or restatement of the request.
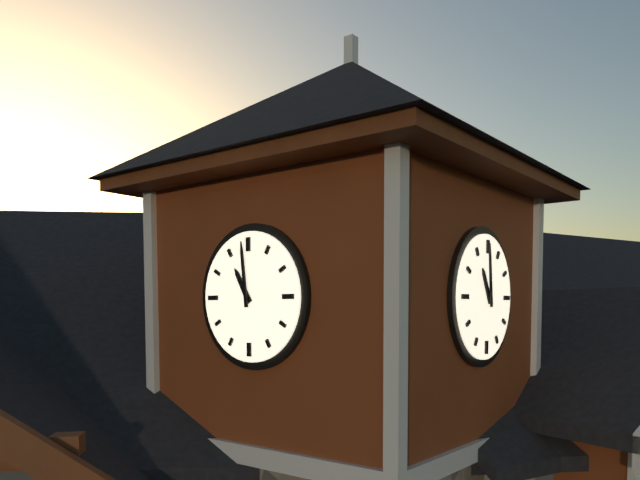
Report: 10:59
